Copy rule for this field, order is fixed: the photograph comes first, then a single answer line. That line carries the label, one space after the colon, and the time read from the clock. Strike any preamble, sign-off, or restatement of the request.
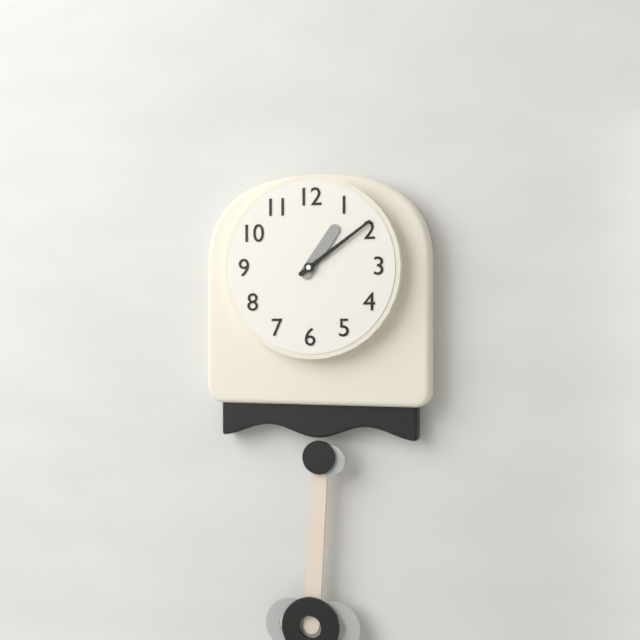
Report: 1:09
